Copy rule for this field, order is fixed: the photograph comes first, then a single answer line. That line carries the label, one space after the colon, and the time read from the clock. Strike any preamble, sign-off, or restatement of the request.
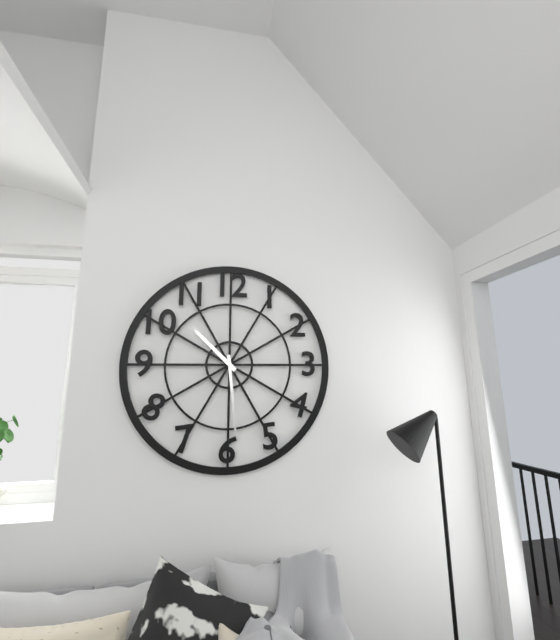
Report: 10:29
